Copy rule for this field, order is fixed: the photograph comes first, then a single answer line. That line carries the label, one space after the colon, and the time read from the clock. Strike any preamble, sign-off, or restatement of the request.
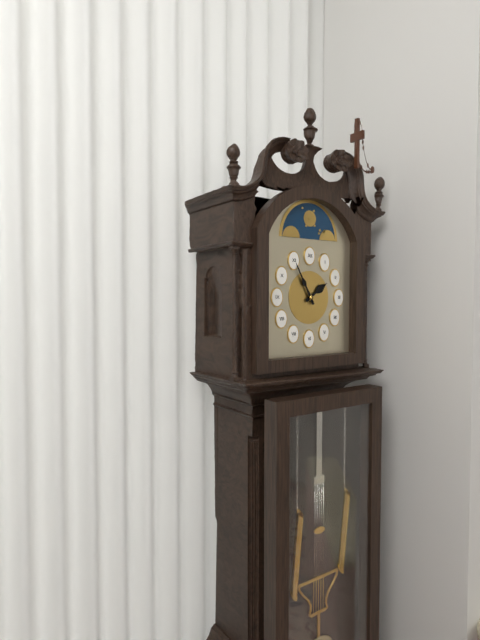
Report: 1:55
